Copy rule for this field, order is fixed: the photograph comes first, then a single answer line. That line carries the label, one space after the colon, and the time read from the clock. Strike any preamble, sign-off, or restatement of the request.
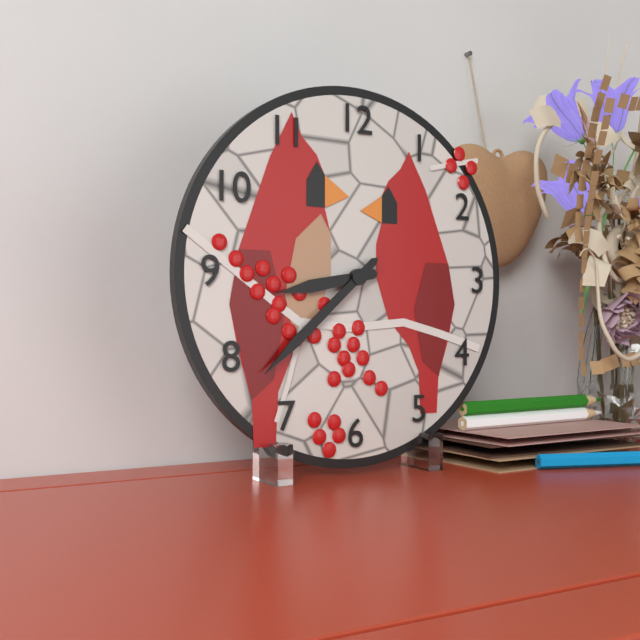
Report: 8:38
